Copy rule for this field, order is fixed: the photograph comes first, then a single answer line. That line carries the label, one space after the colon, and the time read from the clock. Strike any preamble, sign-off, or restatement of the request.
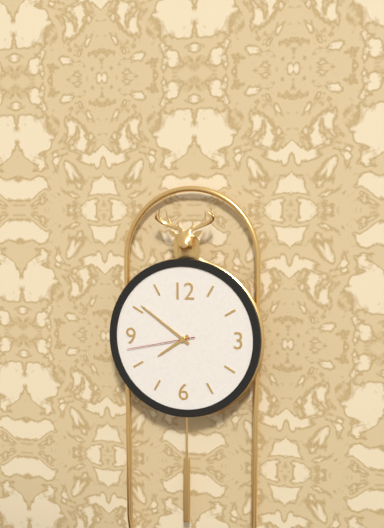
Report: 7:51:43
